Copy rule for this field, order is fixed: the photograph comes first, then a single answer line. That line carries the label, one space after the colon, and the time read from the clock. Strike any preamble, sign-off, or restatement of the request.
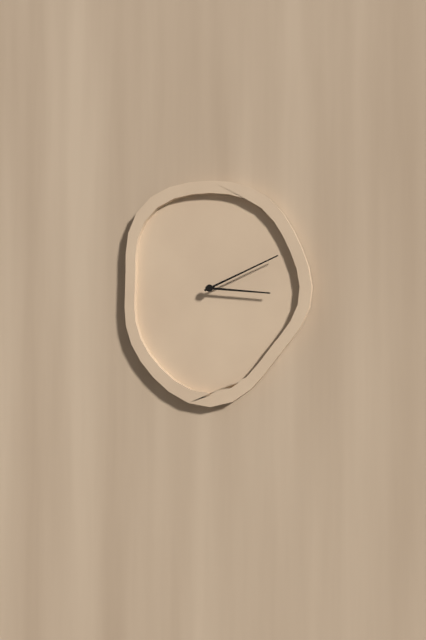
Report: 3:11
